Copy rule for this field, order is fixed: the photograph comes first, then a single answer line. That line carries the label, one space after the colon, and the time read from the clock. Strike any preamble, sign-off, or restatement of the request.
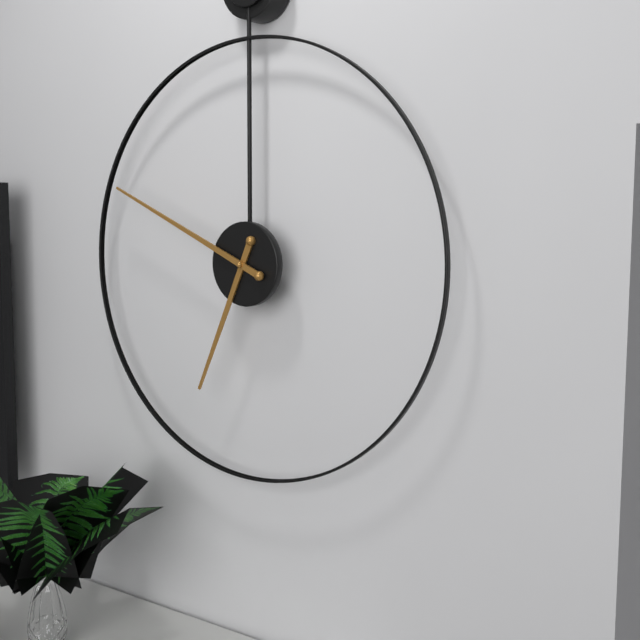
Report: 6:49
